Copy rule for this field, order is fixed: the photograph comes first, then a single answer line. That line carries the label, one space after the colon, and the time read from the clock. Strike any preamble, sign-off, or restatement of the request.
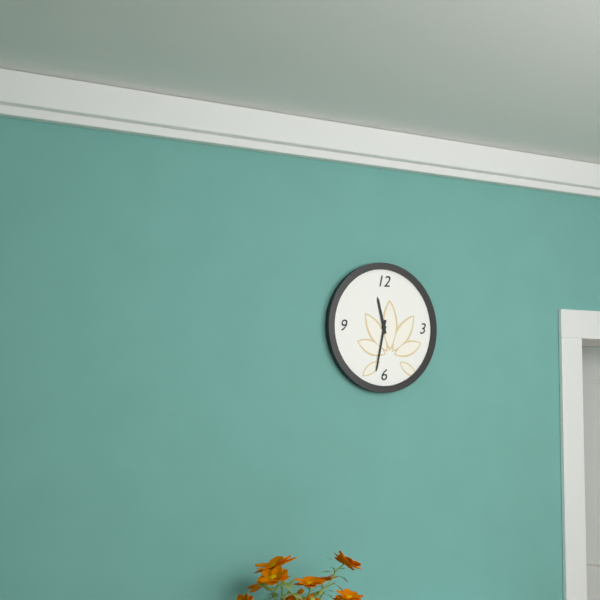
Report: 11:32
